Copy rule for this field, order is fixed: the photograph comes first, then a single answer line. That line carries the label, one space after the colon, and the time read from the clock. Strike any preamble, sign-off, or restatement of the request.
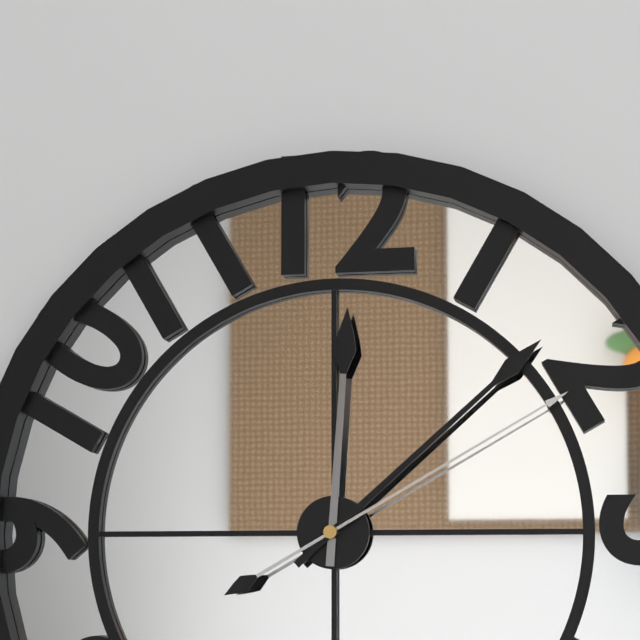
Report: 12:08:10
